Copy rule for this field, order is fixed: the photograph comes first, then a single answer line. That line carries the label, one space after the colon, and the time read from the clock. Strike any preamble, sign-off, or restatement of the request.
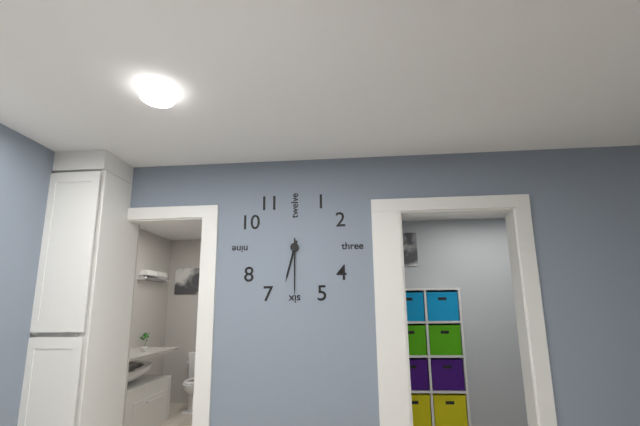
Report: 6:30
